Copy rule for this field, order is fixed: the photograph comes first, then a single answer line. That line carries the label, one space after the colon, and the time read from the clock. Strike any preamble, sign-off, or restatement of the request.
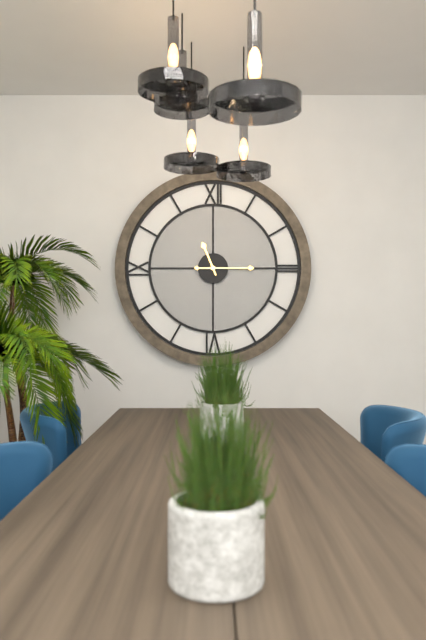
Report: 11:15
